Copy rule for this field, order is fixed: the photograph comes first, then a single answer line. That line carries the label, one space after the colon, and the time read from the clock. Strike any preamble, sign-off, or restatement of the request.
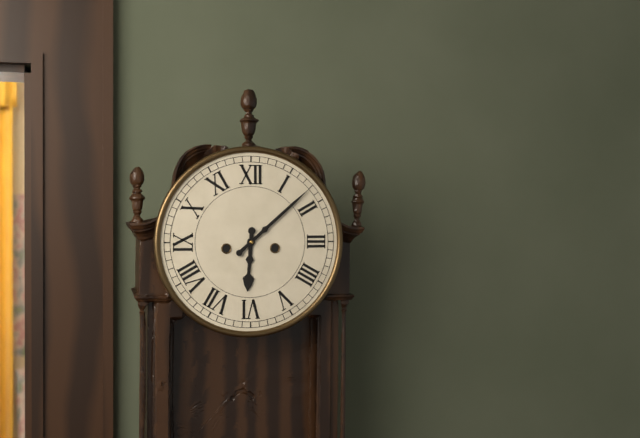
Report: 6:08
